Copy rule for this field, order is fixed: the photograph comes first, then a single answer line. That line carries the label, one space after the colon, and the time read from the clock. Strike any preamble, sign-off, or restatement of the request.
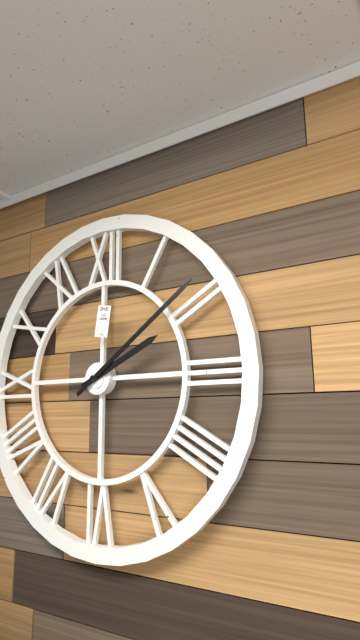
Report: 2:09
